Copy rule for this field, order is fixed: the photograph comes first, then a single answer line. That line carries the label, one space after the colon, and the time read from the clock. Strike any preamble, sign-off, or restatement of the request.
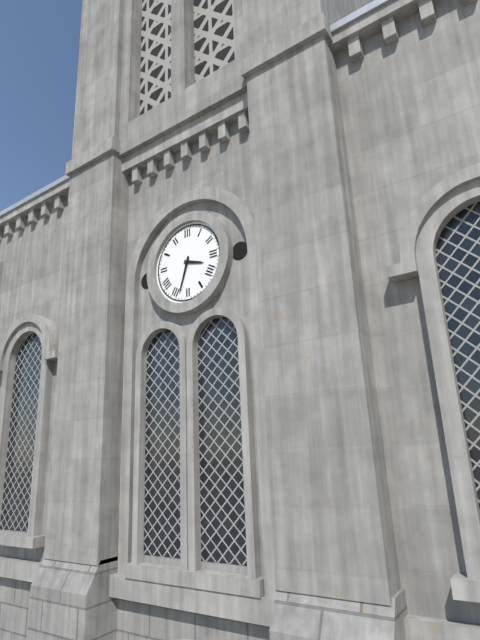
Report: 3:33
